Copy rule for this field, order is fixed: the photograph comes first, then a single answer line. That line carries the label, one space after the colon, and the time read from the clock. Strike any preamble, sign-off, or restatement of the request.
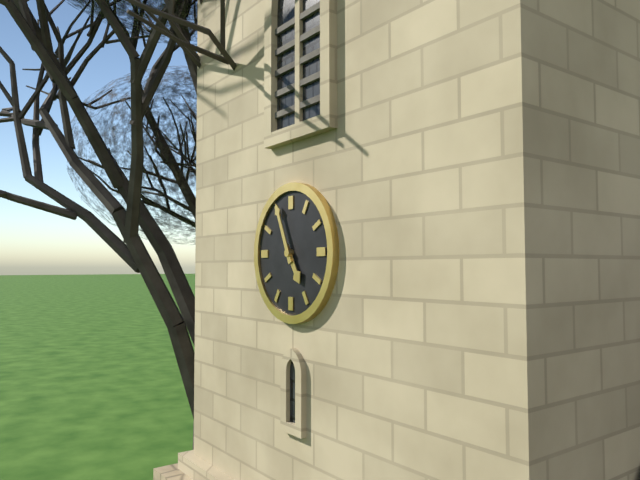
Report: 4:56
